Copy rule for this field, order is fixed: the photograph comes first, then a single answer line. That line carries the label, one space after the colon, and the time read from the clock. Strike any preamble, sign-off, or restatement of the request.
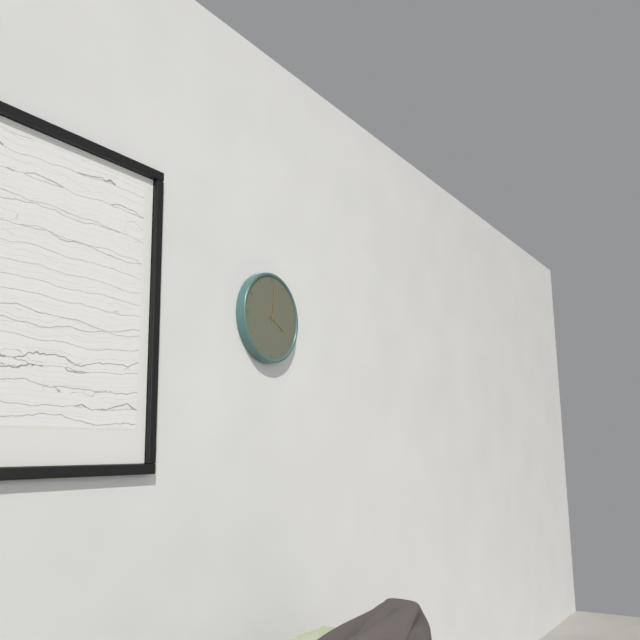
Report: 4:01
